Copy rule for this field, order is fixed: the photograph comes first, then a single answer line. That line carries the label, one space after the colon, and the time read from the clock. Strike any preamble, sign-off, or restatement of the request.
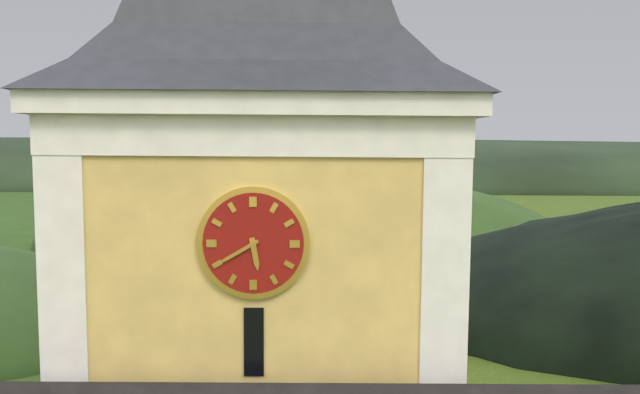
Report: 5:40
